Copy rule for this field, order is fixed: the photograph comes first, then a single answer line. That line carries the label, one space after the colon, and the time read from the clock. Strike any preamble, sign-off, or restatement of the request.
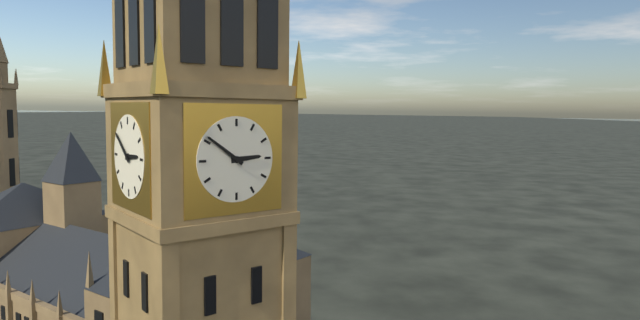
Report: 2:51
